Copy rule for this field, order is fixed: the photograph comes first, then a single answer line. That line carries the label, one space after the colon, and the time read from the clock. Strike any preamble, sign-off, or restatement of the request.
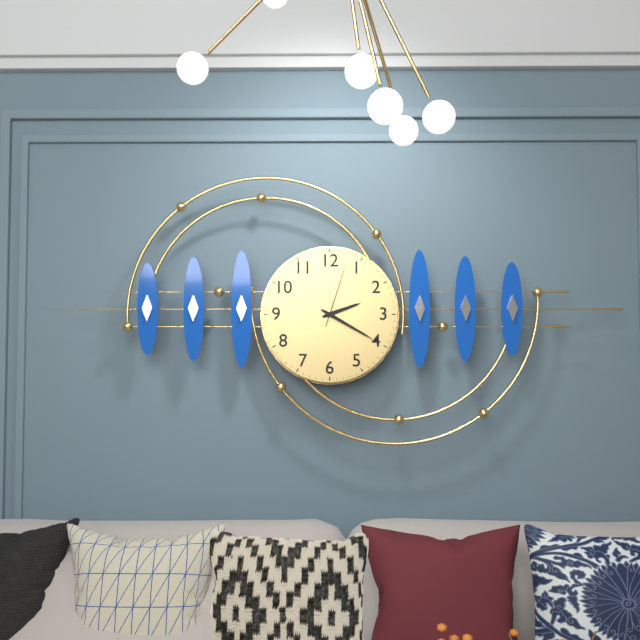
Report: 2:20:03
